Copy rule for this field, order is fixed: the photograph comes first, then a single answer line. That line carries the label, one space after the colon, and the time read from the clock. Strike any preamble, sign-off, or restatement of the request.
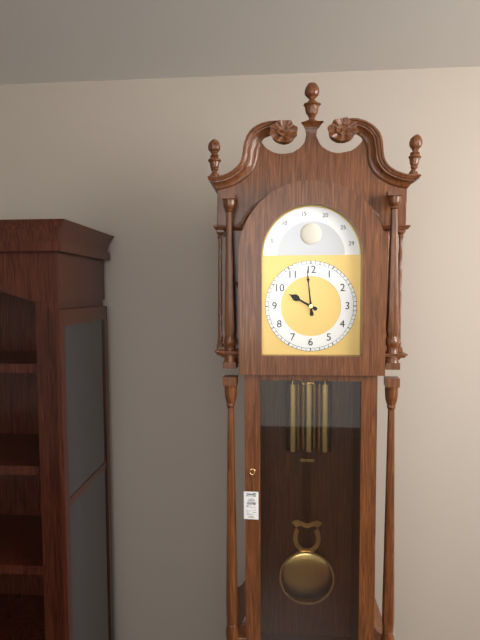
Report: 9:59
